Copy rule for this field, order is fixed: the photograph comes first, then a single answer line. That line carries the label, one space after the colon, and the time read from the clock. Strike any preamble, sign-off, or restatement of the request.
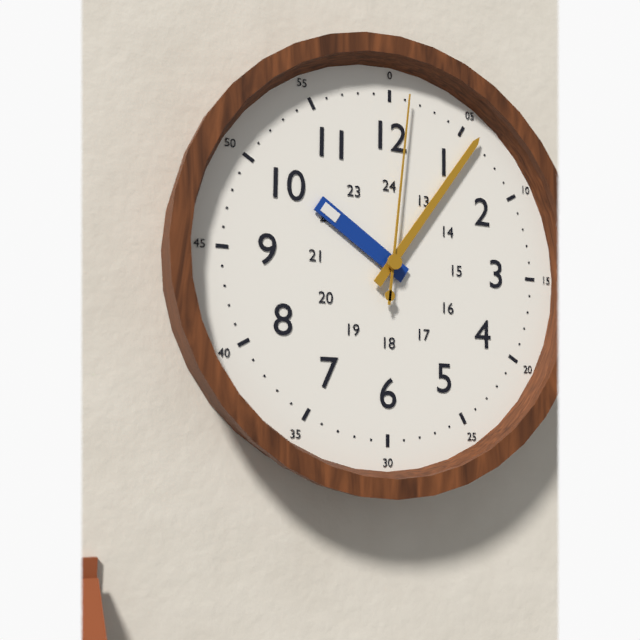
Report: 10:06:01
